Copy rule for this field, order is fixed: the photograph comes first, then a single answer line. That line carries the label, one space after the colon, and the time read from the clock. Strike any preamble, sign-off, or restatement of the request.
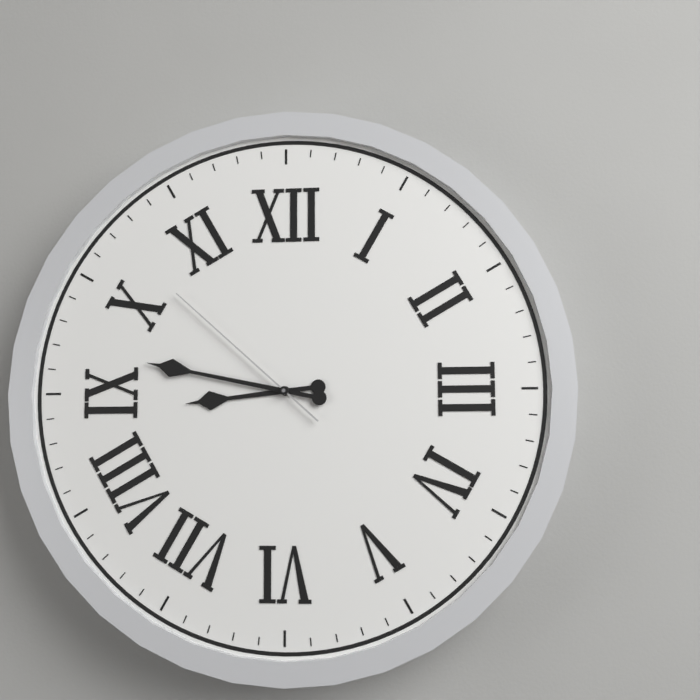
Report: 8:47:52
